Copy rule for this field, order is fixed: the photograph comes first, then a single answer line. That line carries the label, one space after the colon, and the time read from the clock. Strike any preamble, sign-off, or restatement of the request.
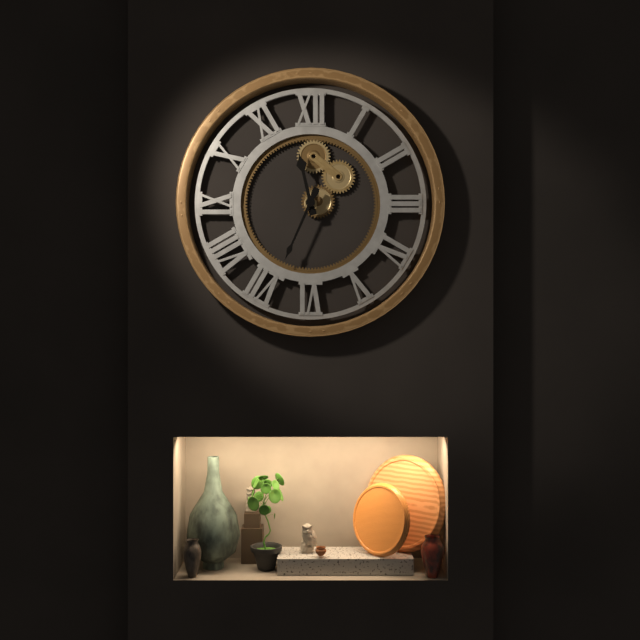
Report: 11:34
